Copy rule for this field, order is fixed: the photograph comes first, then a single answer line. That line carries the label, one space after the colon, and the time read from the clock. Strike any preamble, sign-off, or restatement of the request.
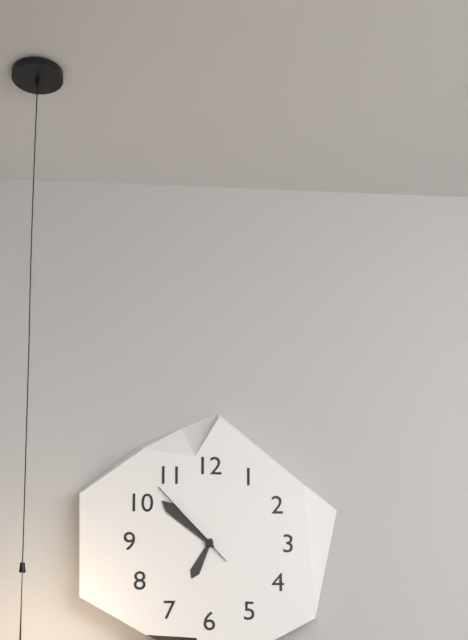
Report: 6:52:53
